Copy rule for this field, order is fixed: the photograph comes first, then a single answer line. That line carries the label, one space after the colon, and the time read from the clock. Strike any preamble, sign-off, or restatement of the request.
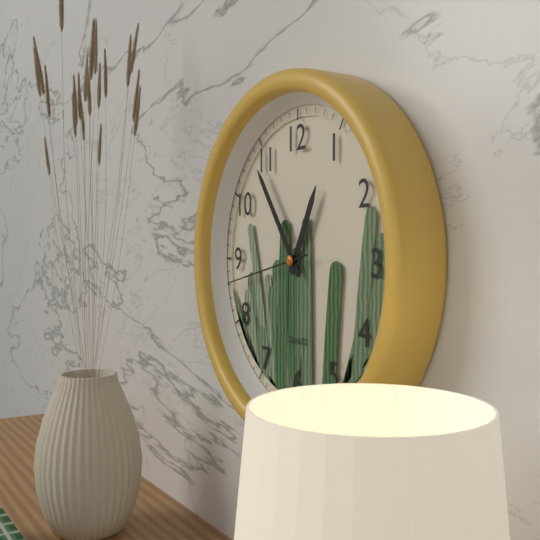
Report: 12:54:43
